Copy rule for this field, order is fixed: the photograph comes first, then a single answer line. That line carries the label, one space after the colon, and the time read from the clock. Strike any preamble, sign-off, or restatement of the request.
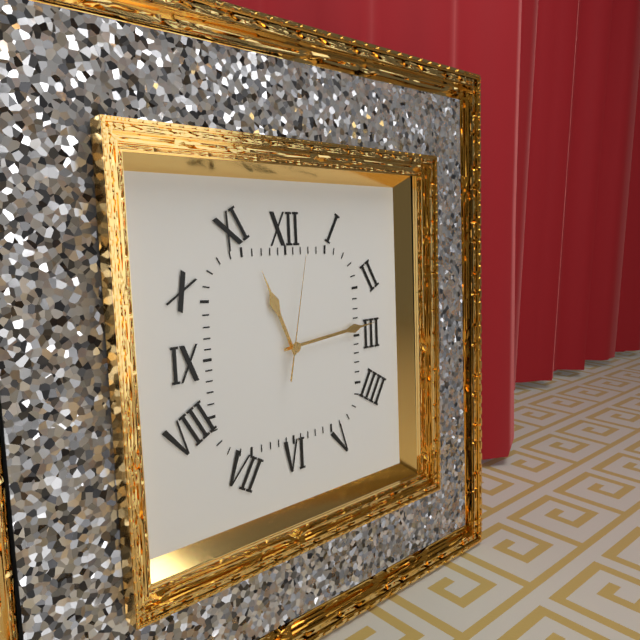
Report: 11:14:02
